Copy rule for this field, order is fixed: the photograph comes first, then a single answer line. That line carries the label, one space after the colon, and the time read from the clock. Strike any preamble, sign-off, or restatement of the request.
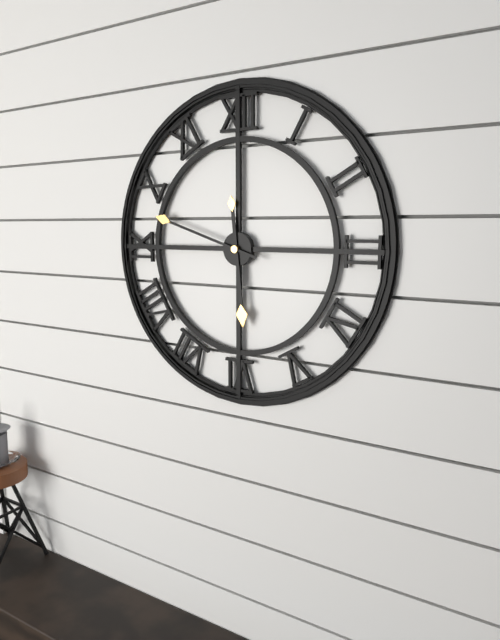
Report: 5:48
